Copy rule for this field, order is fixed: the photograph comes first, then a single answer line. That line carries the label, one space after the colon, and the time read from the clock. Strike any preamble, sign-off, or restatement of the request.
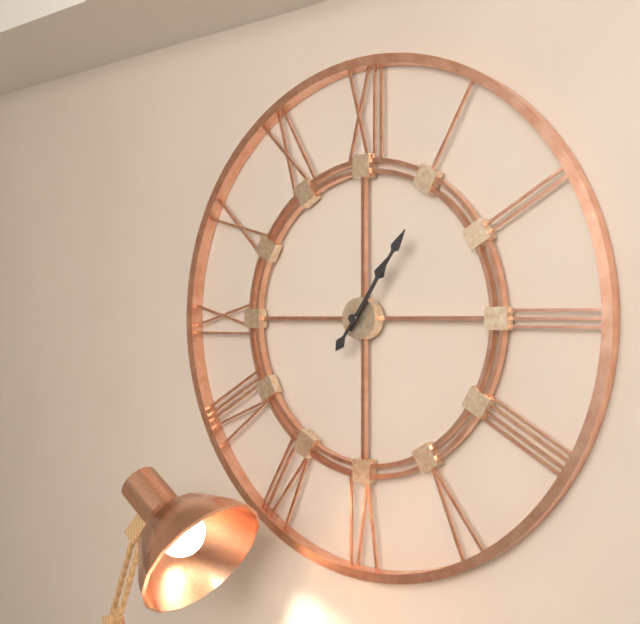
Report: 1:06
